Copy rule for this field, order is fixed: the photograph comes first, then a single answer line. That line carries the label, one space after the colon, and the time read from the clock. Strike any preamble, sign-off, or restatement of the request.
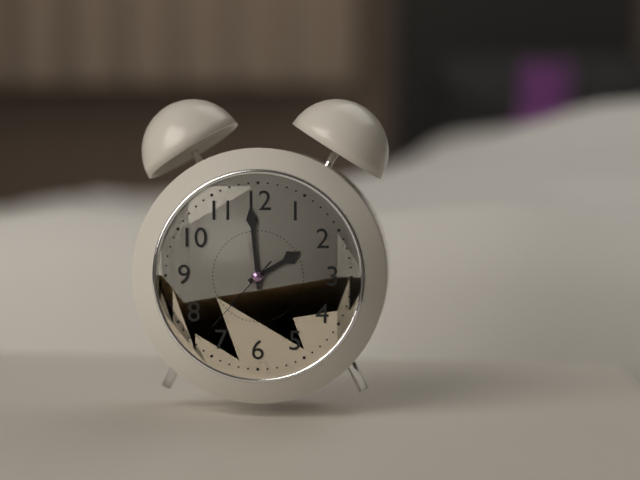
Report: 1:59:37
